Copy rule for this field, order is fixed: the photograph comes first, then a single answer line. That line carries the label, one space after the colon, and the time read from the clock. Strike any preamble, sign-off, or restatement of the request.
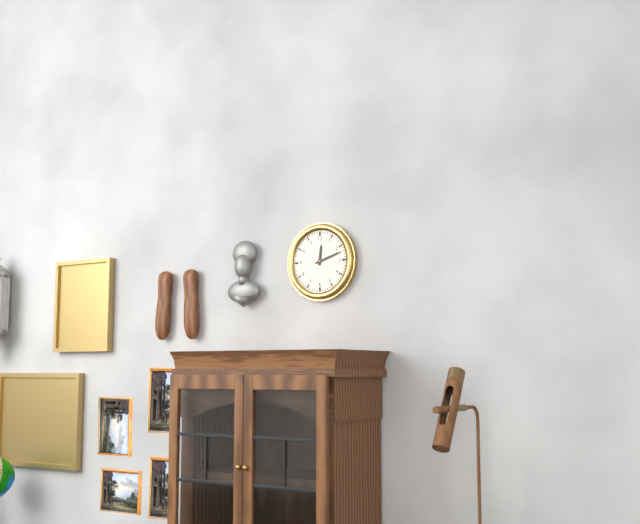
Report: 12:12
